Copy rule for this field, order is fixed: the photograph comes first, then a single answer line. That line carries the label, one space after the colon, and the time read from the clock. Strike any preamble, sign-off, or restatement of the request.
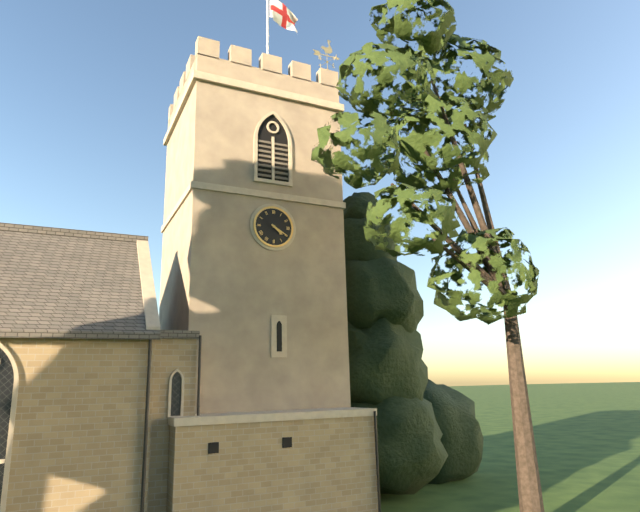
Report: 4:20
